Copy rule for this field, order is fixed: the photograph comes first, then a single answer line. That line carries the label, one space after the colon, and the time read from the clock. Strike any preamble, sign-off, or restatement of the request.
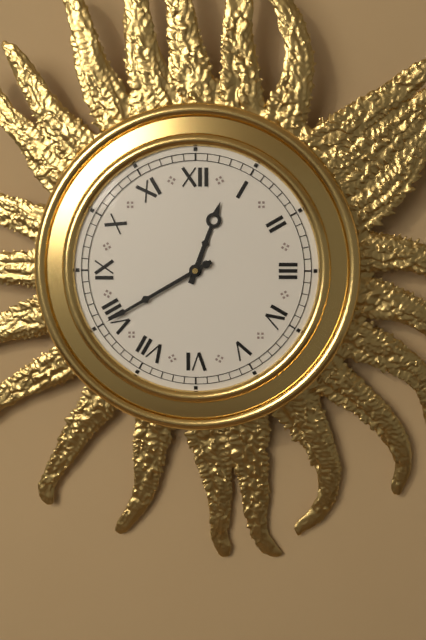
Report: 12:40
